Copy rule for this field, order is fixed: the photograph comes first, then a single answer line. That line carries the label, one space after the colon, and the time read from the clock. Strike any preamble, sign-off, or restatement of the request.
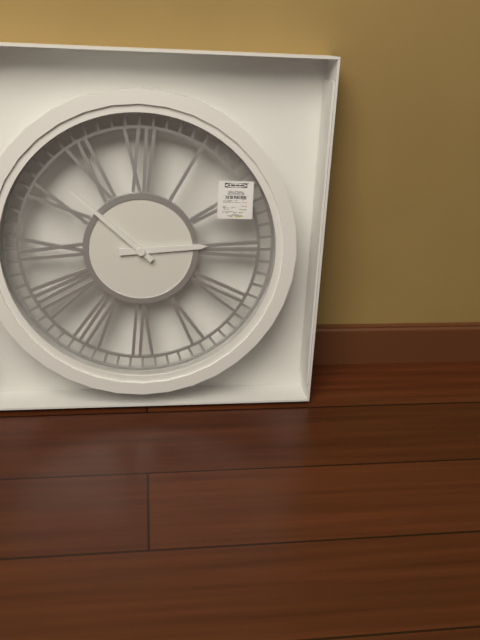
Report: 2:52
